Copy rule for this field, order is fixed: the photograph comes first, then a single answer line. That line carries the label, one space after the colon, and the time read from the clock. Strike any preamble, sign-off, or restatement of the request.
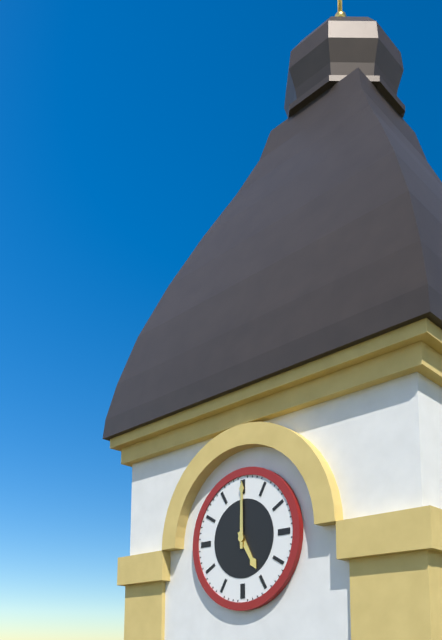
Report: 5:00
